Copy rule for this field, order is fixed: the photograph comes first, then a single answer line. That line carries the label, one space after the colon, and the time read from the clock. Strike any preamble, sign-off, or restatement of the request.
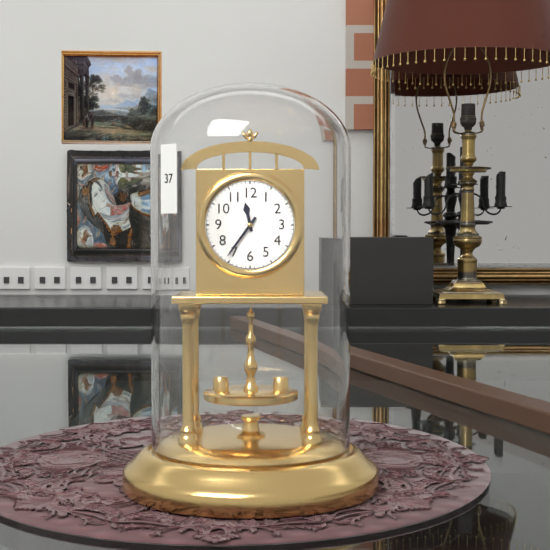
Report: 11:36
